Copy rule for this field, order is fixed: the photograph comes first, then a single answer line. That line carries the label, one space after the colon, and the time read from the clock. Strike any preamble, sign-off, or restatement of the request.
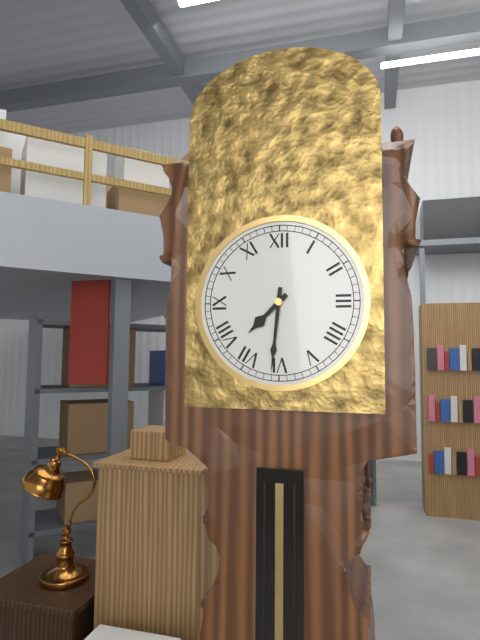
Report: 7:31
